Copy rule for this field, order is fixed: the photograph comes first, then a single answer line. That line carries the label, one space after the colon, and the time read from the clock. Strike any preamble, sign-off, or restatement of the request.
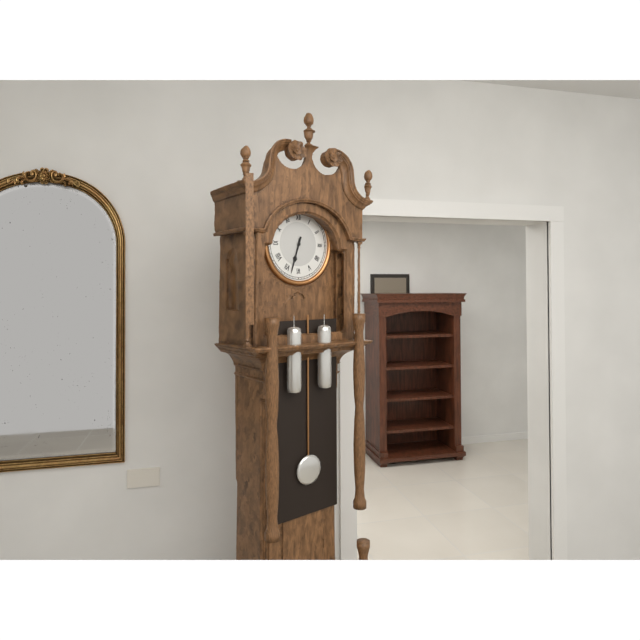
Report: 6:33
